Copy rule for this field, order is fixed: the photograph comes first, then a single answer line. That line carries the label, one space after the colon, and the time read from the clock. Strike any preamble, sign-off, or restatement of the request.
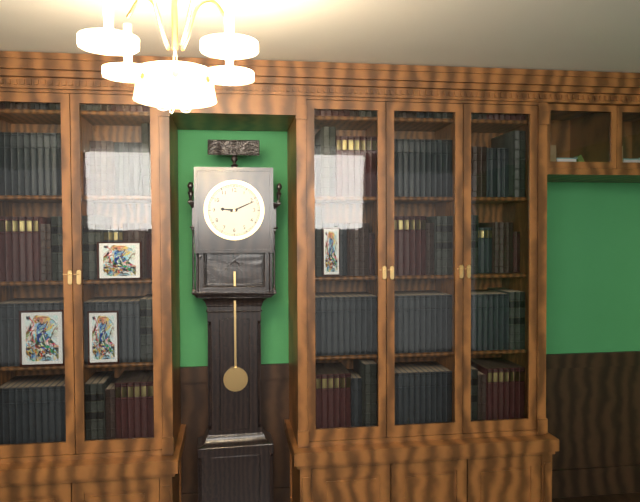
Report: 9:11
